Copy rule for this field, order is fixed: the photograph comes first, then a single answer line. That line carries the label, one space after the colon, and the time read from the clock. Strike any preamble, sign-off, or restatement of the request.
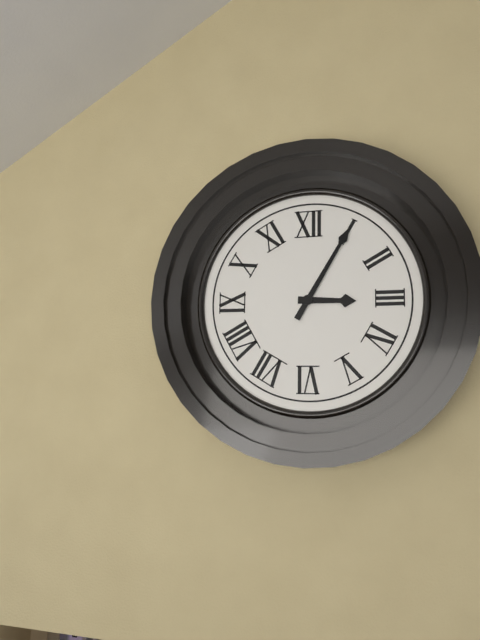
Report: 3:05
